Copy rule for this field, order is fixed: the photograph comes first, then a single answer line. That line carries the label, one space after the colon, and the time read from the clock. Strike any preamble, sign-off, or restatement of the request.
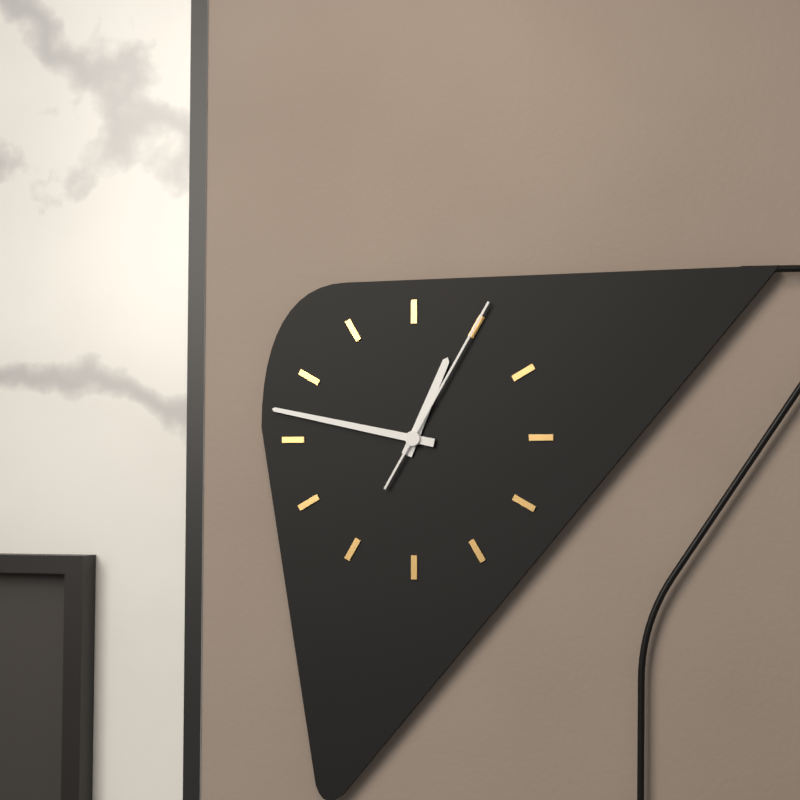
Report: 12:47:05
